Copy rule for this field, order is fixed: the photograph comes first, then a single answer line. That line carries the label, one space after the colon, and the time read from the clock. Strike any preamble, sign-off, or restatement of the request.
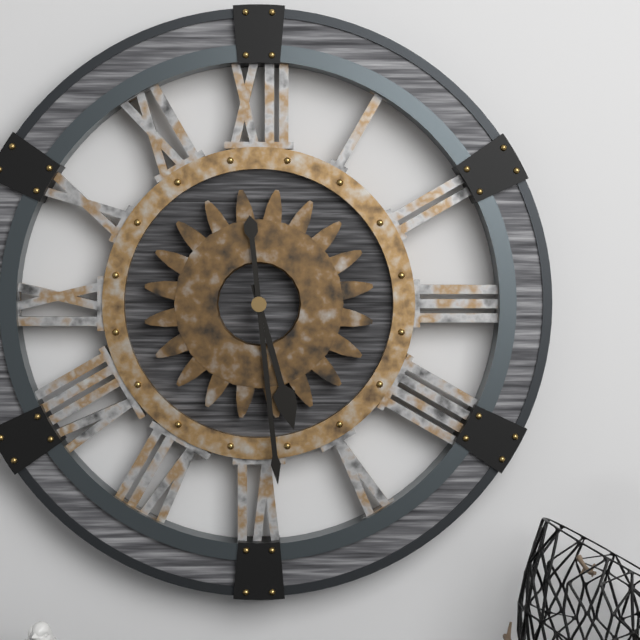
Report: 5:29
